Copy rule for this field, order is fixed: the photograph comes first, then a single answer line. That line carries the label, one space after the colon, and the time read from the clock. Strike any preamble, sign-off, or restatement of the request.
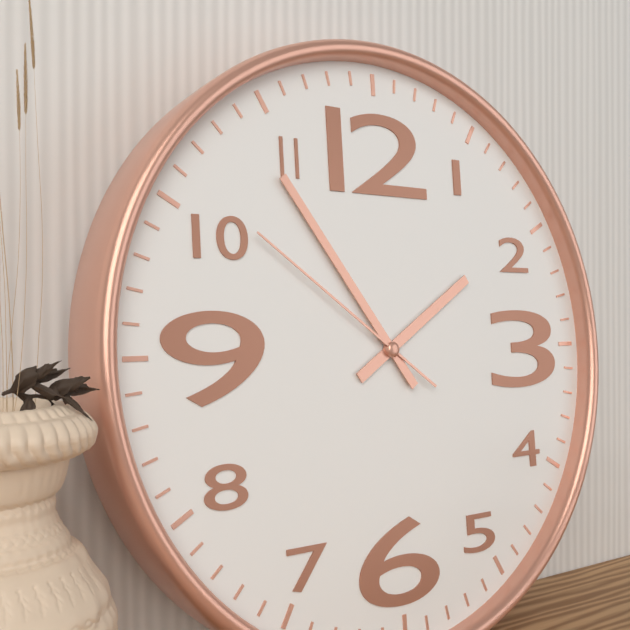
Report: 1:54:51
